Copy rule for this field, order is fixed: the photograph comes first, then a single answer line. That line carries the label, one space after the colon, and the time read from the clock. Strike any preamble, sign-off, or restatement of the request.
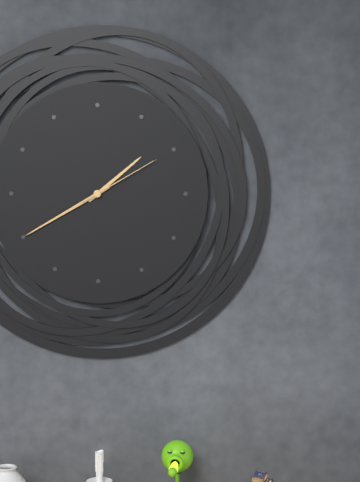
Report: 1:40:10
